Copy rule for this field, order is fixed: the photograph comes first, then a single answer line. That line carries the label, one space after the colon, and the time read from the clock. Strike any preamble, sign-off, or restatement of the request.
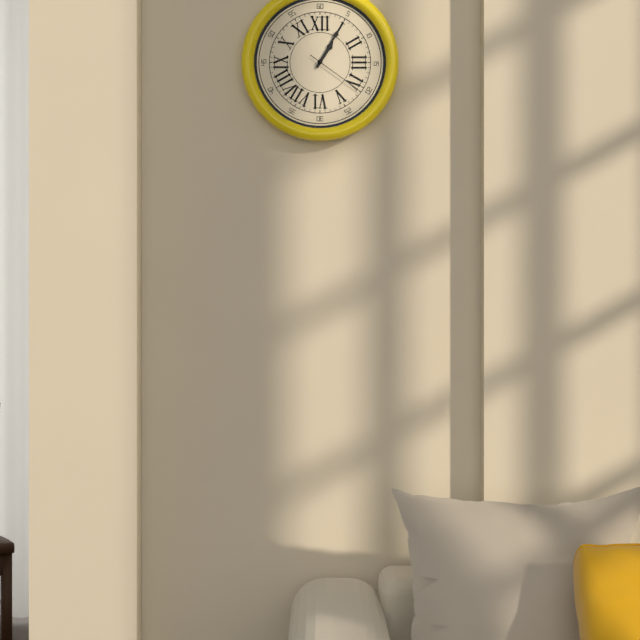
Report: 1:05:21
